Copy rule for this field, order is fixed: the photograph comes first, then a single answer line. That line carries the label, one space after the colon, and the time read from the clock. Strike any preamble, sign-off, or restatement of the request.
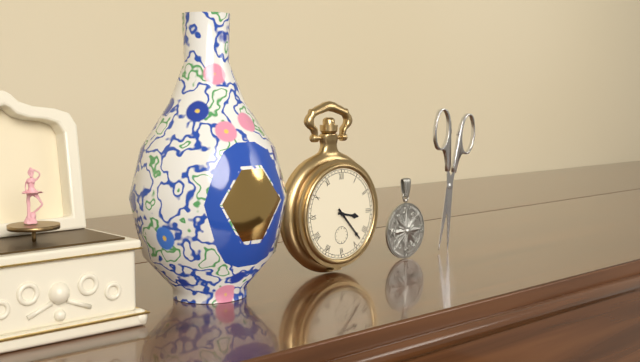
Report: 3:23
